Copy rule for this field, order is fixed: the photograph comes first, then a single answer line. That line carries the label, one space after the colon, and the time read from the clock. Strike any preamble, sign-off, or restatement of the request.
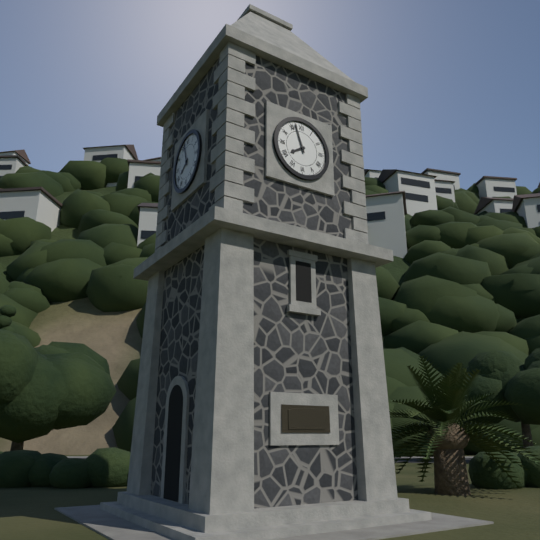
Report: 7:57
